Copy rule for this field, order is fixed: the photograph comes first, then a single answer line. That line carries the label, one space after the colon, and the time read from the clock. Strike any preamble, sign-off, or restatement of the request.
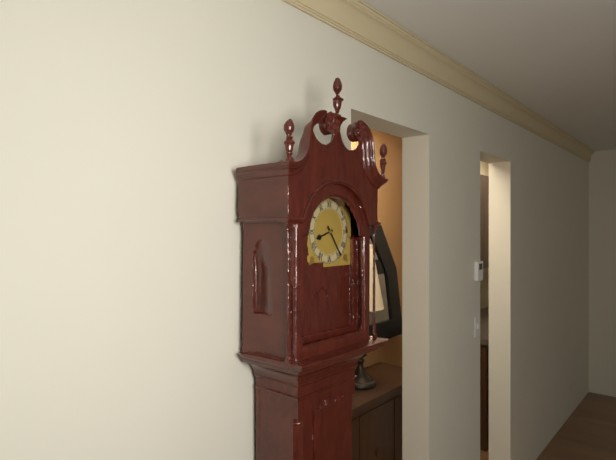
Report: 8:24
